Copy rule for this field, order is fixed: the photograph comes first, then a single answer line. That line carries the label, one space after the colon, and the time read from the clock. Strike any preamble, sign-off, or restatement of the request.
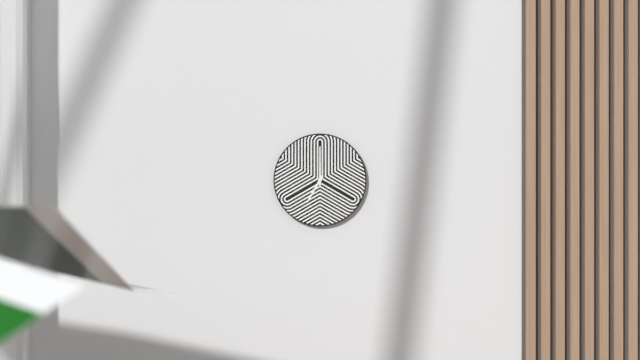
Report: 7:00
